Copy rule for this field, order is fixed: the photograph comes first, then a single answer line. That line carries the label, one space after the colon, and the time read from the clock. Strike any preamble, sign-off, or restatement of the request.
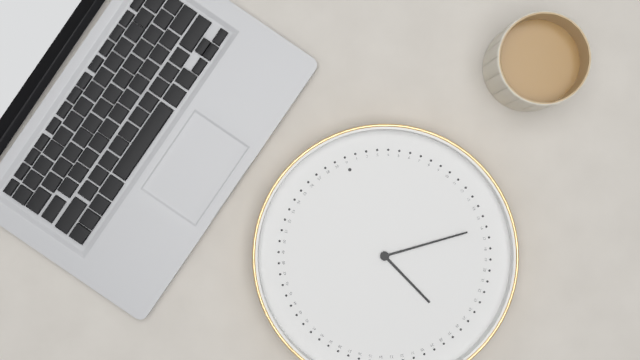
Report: 5:16
